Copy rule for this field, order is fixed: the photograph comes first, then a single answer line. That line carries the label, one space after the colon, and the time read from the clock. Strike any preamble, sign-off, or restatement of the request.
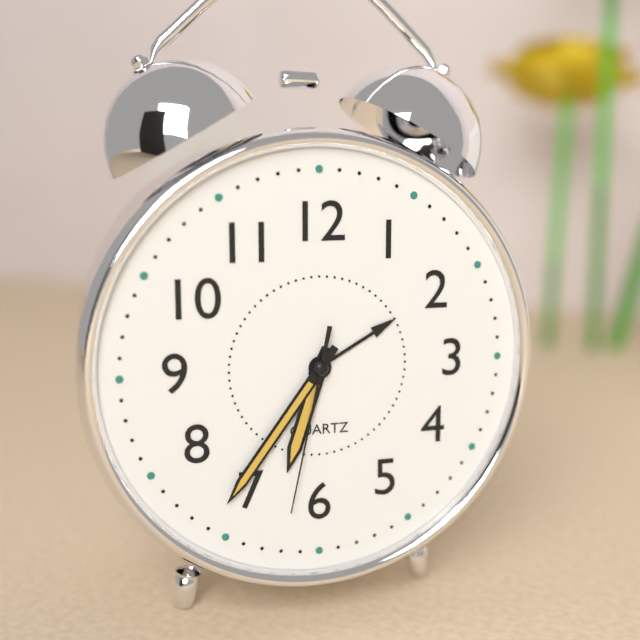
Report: 6:36:32
